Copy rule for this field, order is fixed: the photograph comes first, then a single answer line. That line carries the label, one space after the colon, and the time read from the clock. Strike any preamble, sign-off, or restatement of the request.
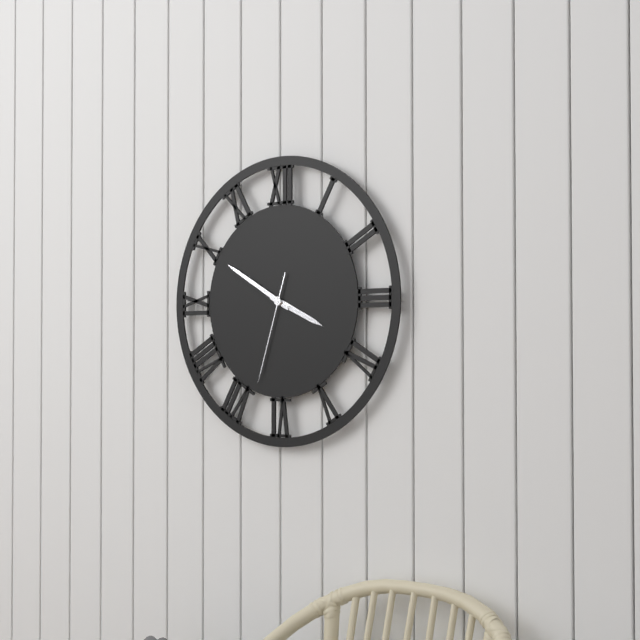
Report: 3:50:33
